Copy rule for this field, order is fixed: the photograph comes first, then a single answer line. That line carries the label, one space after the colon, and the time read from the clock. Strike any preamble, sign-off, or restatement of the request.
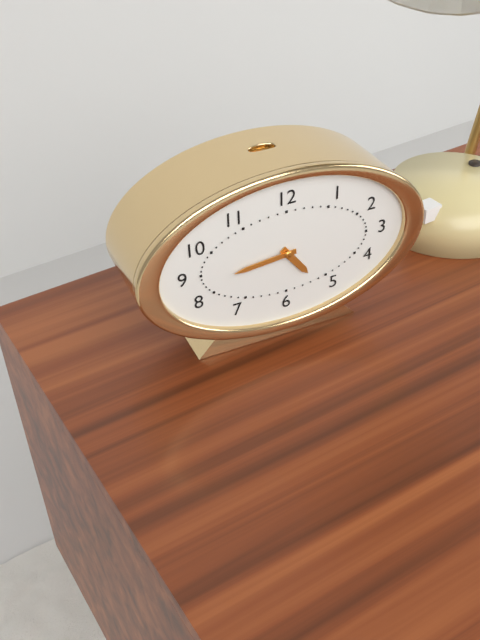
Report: 4:44
